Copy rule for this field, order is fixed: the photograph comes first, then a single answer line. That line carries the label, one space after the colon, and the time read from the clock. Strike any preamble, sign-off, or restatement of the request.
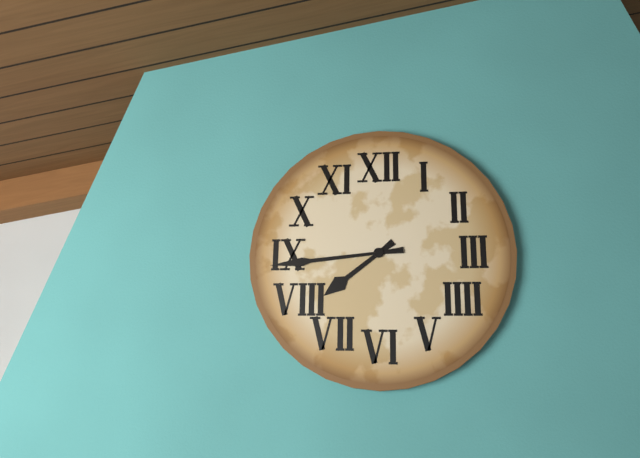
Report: 7:44
